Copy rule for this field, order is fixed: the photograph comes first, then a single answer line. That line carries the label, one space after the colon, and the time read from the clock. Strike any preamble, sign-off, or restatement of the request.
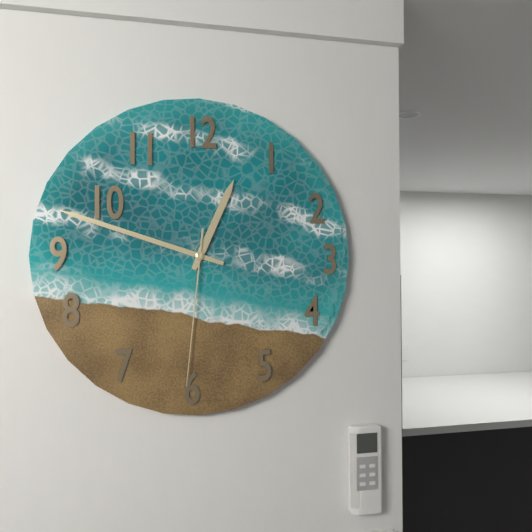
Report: 12:48:31
